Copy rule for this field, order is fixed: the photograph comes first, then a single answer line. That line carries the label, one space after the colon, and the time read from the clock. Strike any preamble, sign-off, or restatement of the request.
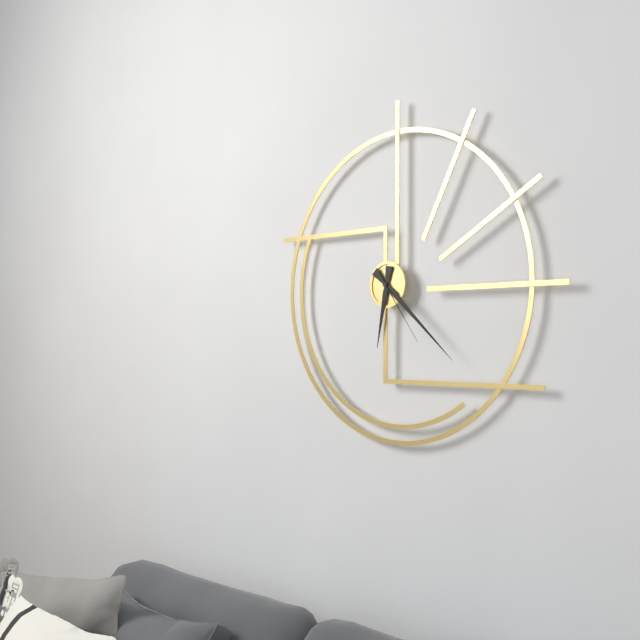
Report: 6:22:24
